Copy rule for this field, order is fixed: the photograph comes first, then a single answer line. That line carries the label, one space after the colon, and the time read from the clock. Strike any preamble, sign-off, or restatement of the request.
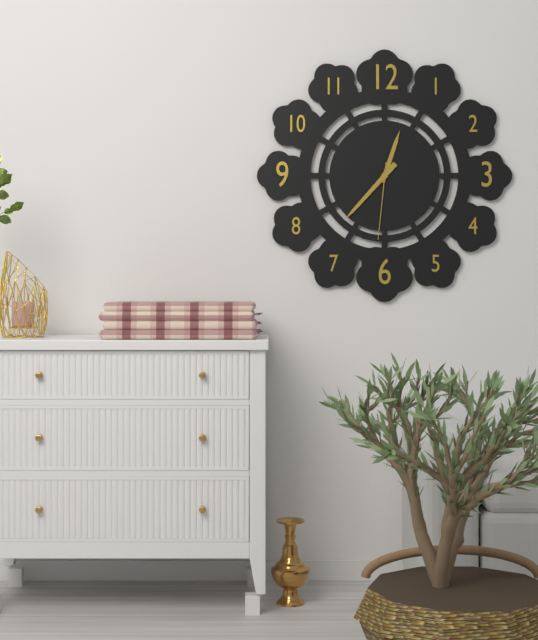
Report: 12:37:31
